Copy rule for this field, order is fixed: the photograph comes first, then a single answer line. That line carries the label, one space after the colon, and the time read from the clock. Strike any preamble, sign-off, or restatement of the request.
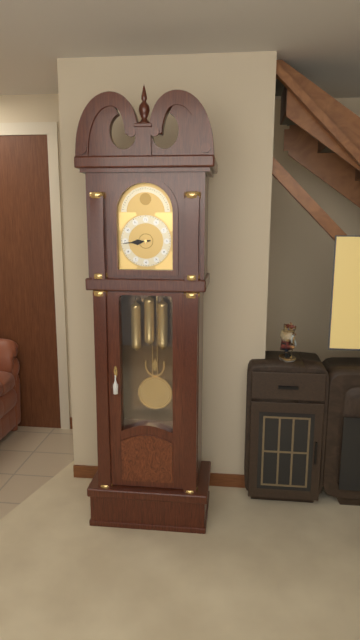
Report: 8:44
